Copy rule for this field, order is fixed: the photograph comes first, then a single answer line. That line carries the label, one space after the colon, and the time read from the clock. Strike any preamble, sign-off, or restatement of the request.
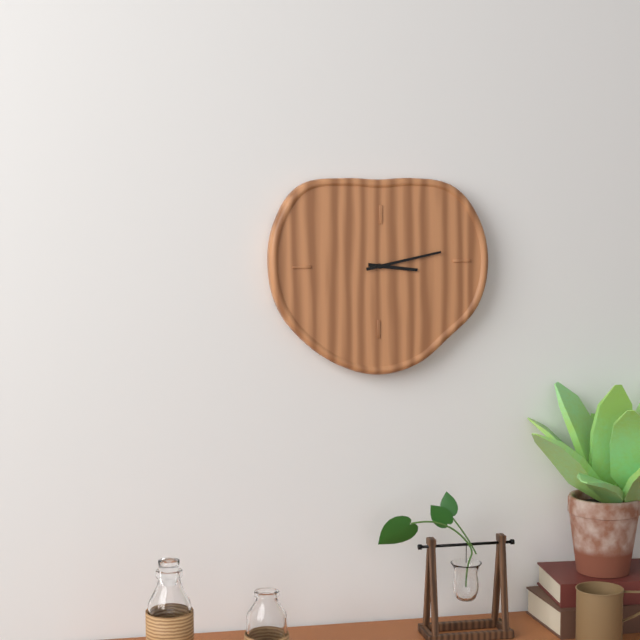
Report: 3:13
